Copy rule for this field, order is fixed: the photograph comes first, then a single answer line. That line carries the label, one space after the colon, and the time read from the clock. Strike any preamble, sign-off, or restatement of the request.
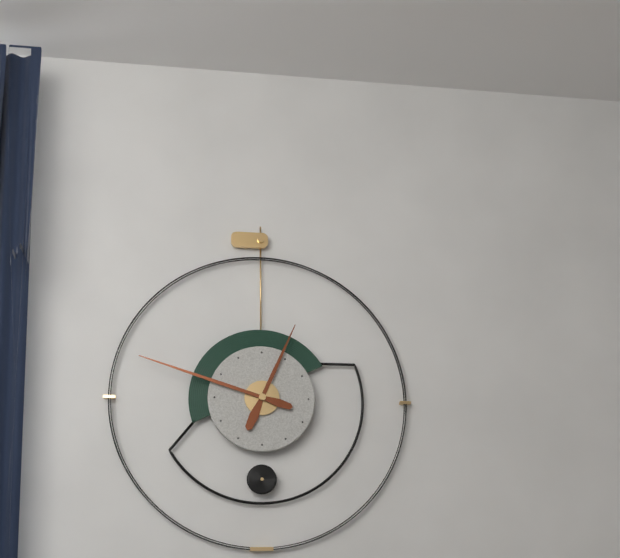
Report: 12:48
